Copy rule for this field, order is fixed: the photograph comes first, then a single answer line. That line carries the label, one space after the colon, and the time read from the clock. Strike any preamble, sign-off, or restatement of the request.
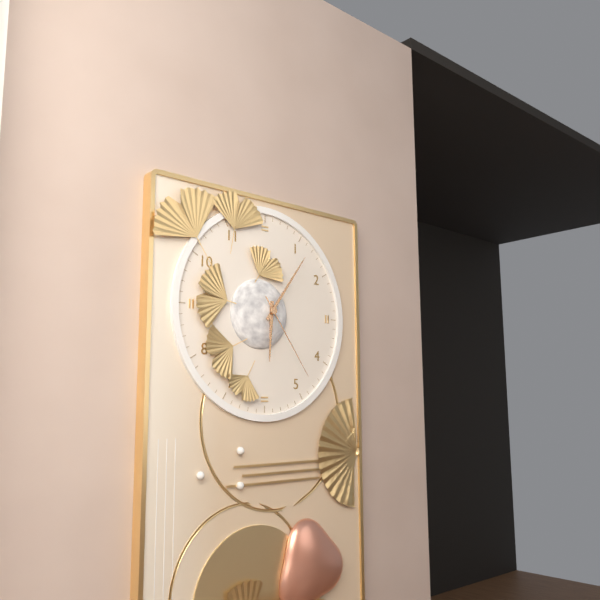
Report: 6:06:24
